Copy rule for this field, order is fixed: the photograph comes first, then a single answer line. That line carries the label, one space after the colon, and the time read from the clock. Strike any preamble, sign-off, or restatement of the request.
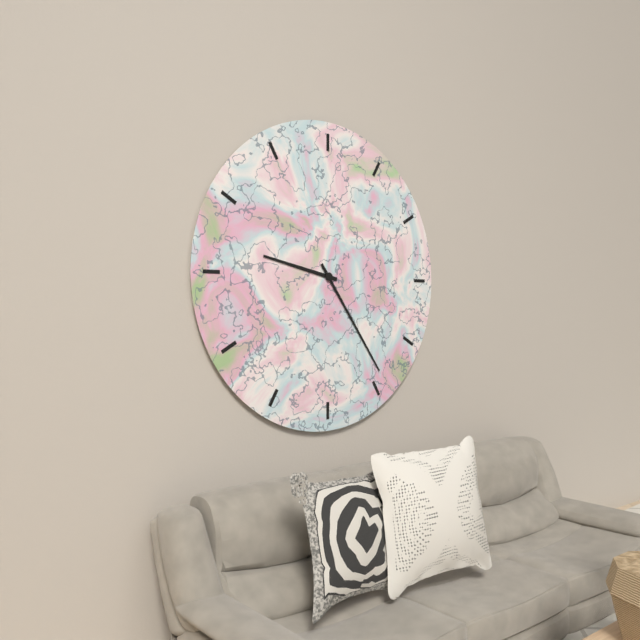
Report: 9:24
